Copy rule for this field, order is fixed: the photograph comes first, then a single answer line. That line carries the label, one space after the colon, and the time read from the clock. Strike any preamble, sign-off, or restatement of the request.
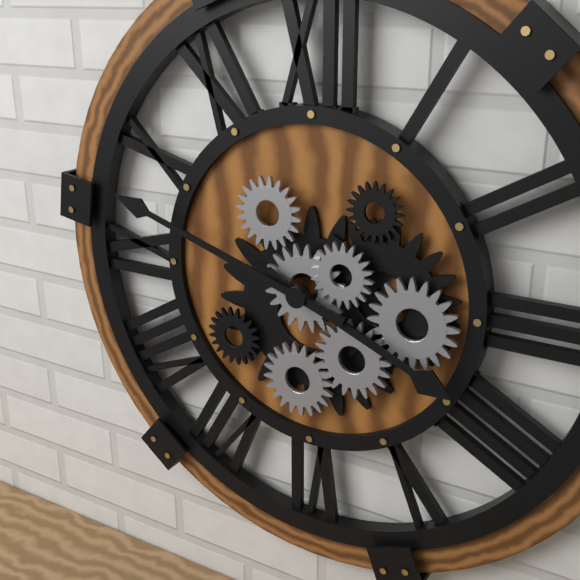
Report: 3:48
